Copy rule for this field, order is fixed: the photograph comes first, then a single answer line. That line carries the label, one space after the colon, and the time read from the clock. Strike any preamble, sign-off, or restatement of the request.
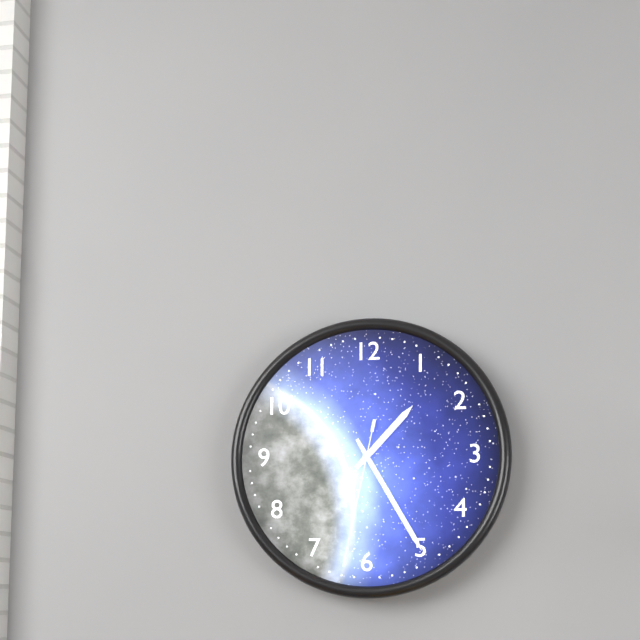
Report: 1:25:32
